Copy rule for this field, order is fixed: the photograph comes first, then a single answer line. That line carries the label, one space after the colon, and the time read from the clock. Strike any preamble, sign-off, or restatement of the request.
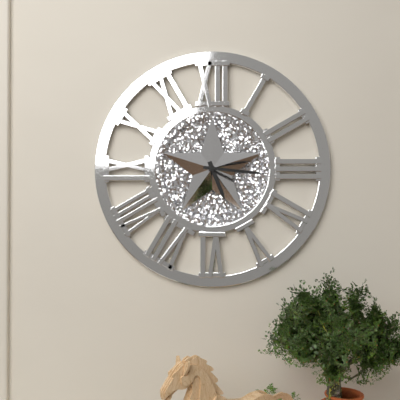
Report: 5:16
